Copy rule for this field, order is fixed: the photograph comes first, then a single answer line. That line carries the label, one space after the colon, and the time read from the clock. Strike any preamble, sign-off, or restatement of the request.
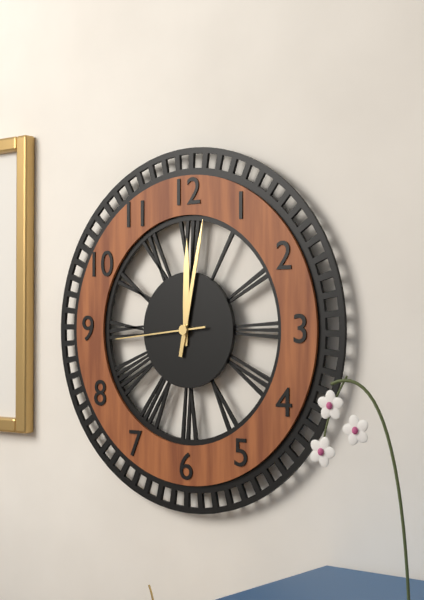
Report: 12:02:44
